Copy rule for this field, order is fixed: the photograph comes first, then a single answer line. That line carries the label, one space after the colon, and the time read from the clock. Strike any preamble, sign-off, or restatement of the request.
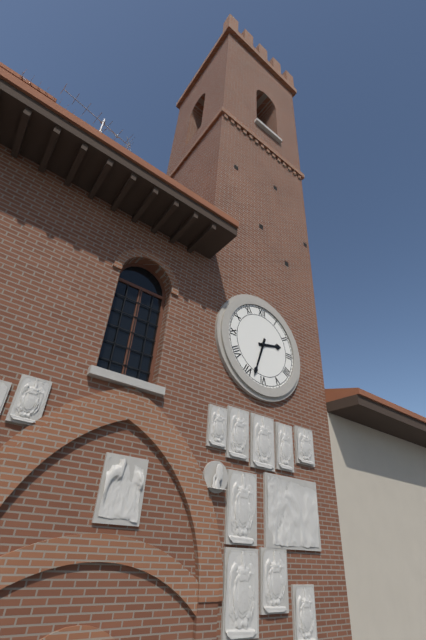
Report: 2:33
